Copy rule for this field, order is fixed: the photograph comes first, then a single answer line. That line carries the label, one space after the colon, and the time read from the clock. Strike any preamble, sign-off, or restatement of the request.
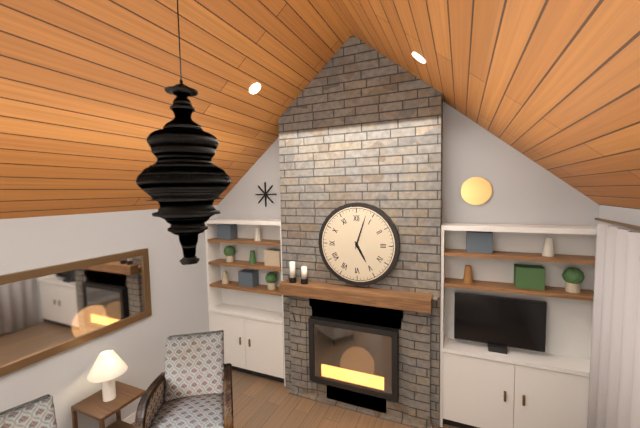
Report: 5:03
